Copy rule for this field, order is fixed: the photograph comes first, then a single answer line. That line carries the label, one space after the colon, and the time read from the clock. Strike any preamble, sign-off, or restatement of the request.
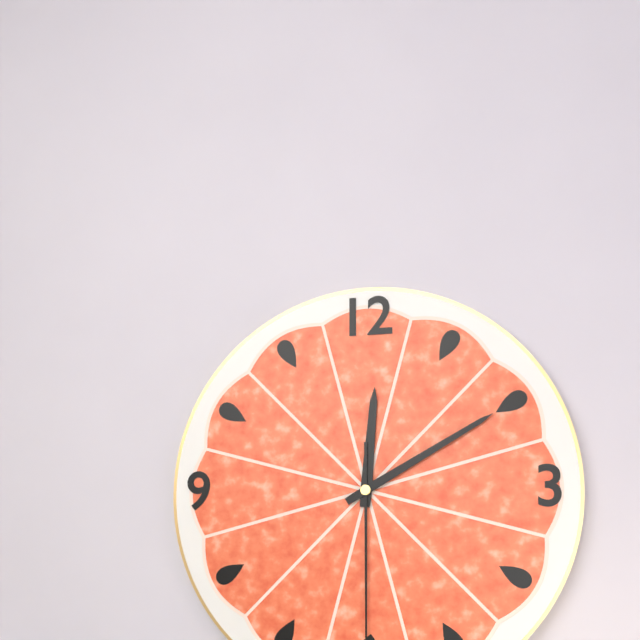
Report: 12:10:30
